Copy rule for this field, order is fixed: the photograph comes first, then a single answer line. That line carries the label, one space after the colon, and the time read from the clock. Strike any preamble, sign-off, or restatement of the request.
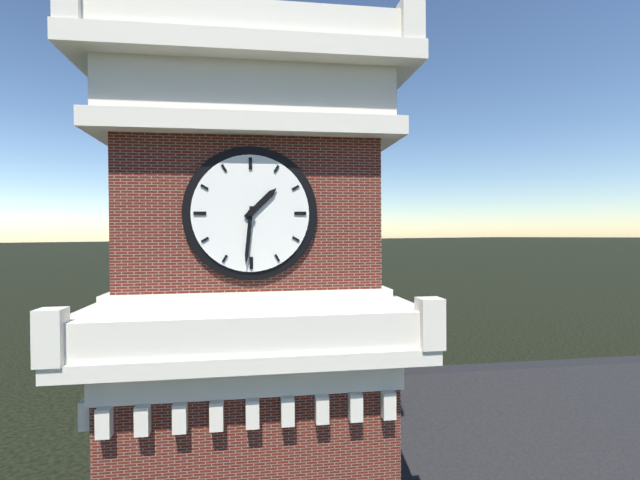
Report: 1:31
